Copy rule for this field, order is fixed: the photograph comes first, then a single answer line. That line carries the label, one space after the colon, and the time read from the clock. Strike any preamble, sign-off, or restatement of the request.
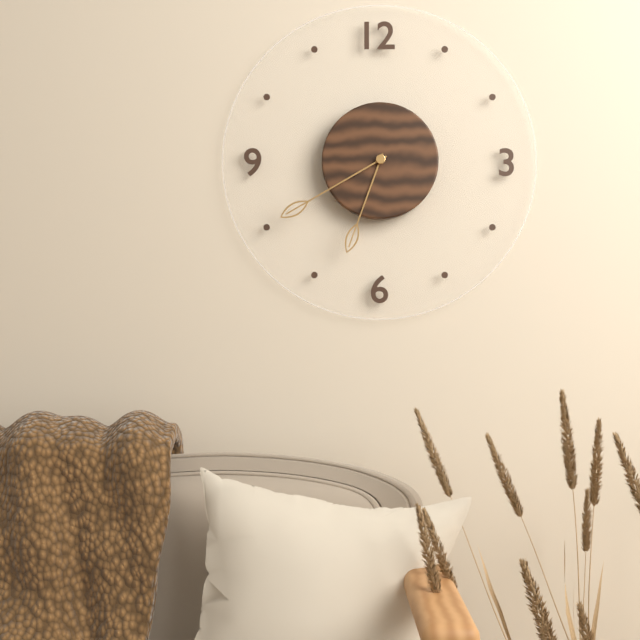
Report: 6:40
